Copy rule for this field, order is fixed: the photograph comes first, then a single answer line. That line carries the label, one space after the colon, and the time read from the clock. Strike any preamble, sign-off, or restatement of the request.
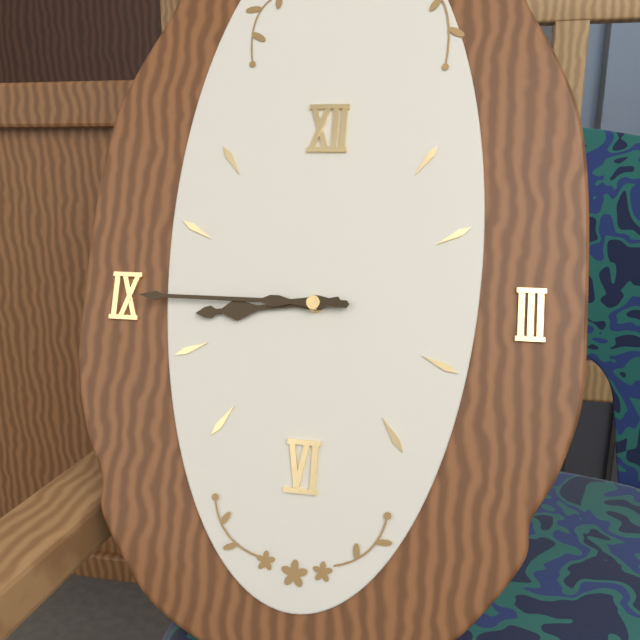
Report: 8:45
